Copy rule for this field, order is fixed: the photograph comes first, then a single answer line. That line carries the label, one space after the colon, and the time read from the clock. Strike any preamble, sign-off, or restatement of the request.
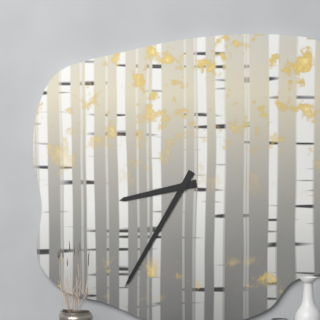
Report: 8:35
